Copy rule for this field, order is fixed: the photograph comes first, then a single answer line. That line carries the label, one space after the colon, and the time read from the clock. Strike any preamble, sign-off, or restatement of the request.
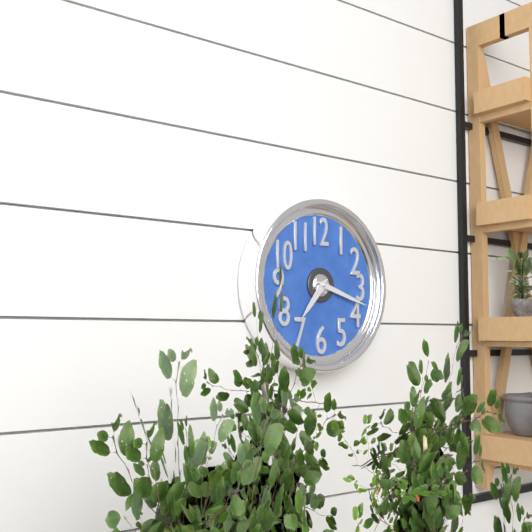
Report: 7:18
